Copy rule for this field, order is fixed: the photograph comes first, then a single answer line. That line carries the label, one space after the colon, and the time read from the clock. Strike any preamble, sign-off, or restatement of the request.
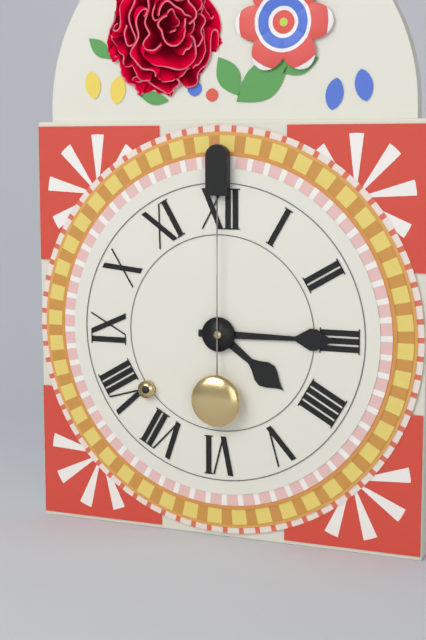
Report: 4:15
